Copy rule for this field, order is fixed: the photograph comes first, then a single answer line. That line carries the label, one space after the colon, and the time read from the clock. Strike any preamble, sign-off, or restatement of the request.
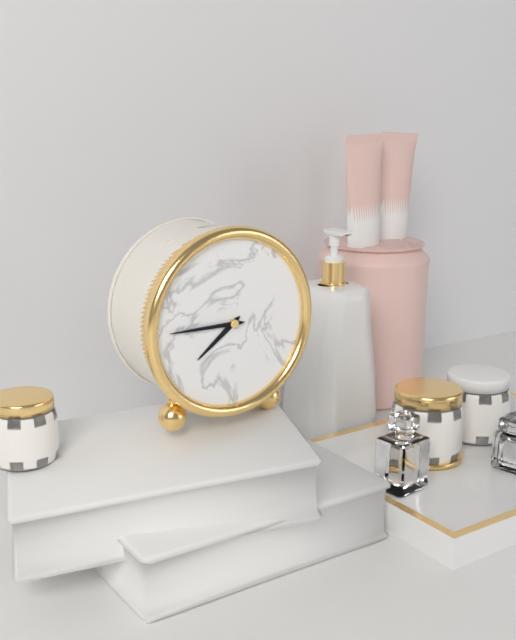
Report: 7:45
